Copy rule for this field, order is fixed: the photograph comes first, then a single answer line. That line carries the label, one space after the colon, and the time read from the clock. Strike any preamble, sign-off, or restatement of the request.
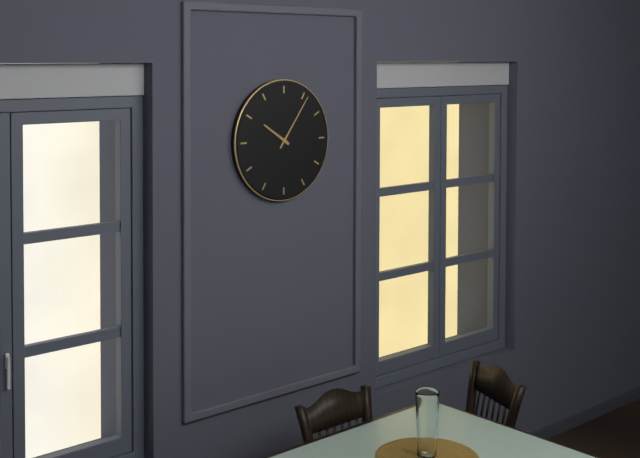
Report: 10:06
